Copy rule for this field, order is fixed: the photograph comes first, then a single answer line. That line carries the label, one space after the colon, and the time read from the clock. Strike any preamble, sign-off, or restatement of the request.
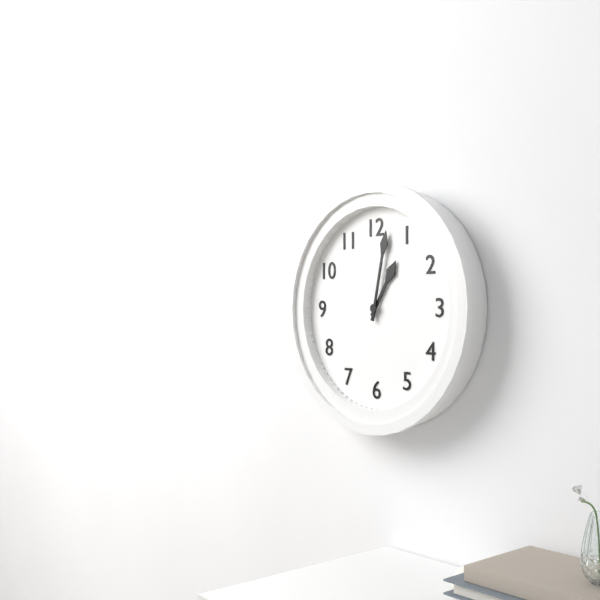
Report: 1:02
